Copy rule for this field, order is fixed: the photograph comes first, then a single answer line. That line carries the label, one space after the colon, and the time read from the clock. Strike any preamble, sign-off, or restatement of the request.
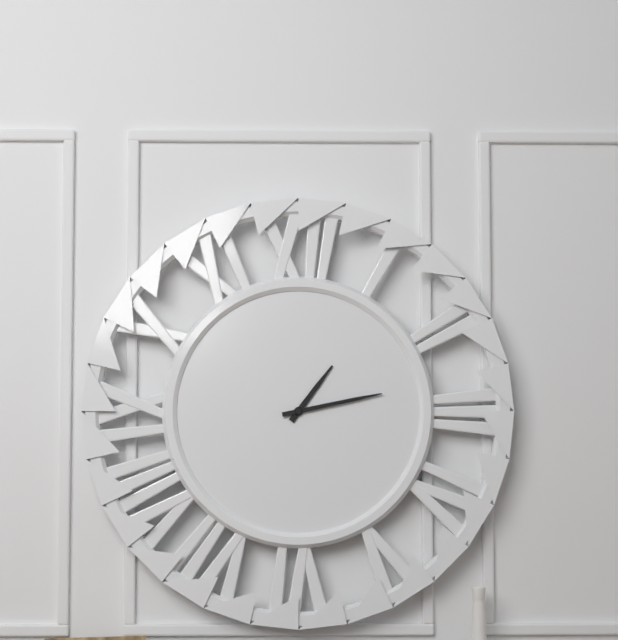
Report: 1:13
